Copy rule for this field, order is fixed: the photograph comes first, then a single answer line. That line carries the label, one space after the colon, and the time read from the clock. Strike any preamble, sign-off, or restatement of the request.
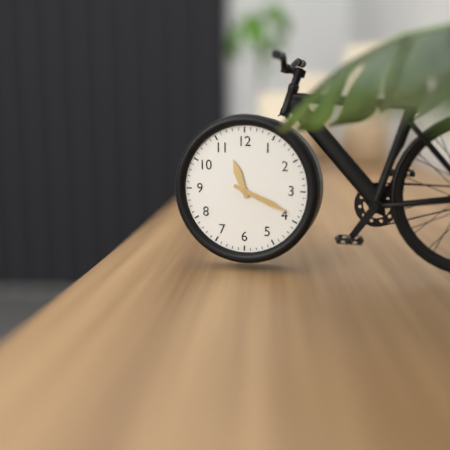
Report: 11:19
